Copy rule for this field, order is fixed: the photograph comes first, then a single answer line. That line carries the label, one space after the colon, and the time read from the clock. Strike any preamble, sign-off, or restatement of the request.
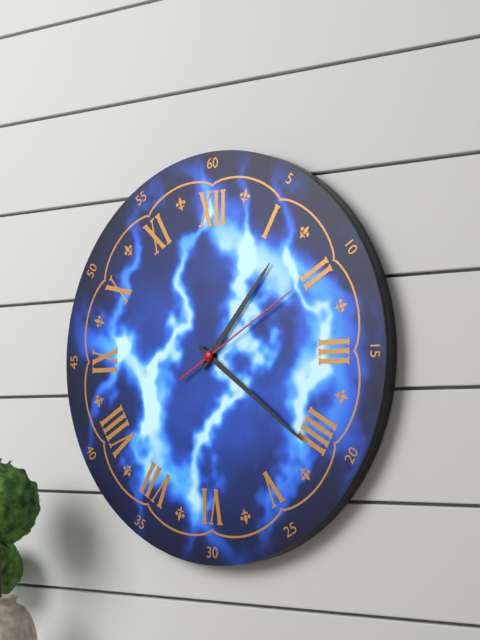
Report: 1:21:10
